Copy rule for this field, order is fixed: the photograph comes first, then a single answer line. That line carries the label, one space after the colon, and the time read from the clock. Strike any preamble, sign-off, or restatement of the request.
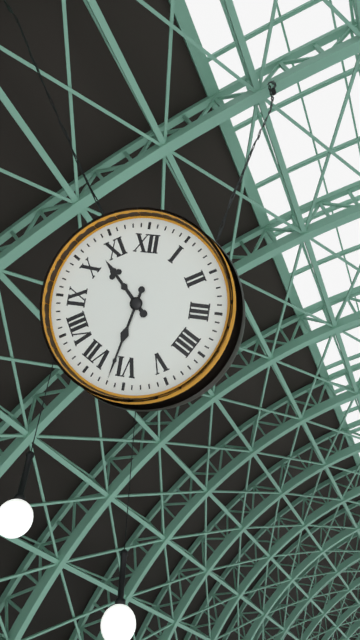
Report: 10:32
